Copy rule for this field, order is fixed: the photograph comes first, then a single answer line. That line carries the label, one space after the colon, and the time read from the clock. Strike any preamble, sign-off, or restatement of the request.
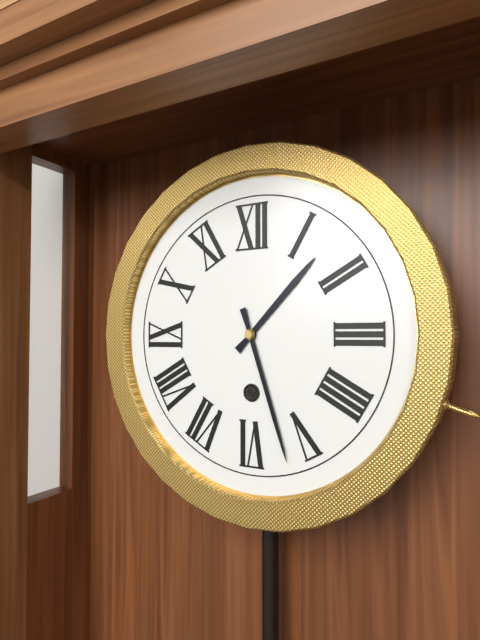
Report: 1:27
